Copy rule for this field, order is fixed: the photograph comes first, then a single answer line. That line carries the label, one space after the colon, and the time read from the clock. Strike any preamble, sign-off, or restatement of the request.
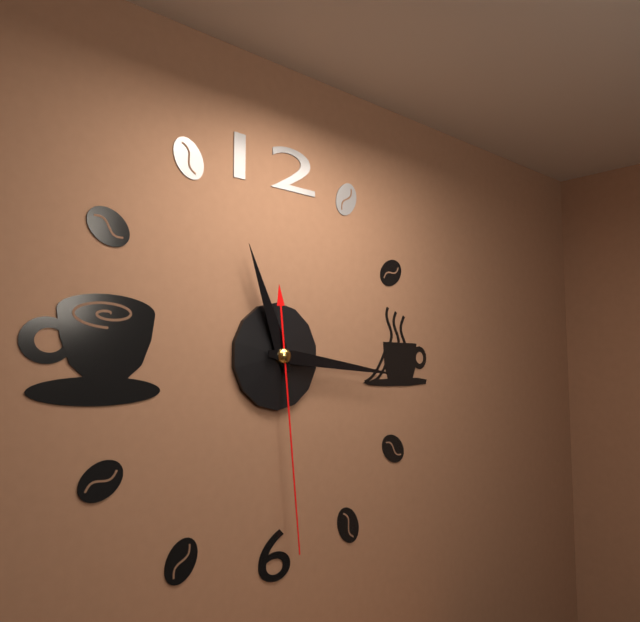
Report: 11:16:29
